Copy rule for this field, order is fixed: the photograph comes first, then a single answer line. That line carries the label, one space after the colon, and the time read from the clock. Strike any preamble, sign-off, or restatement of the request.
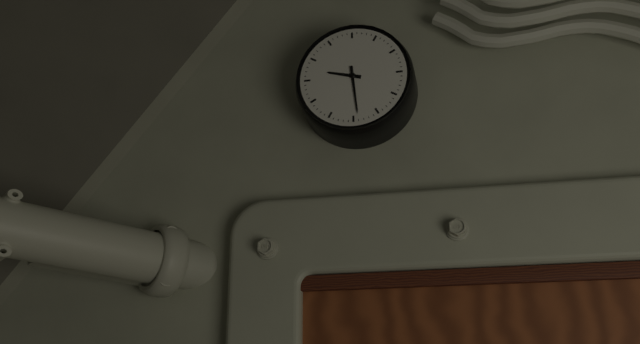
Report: 9:29
